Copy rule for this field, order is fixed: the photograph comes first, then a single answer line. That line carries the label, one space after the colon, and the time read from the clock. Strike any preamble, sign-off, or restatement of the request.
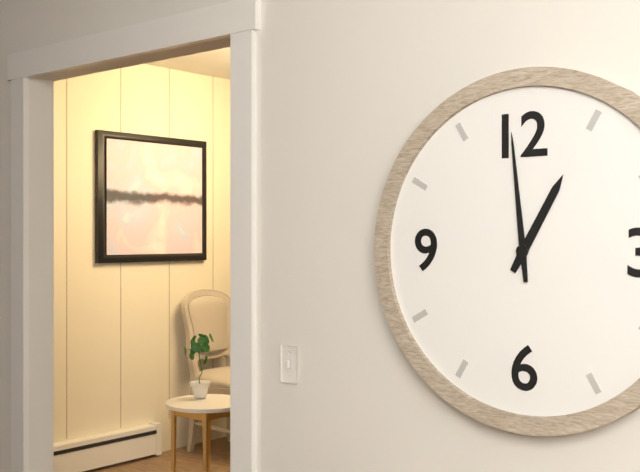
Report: 12:59
